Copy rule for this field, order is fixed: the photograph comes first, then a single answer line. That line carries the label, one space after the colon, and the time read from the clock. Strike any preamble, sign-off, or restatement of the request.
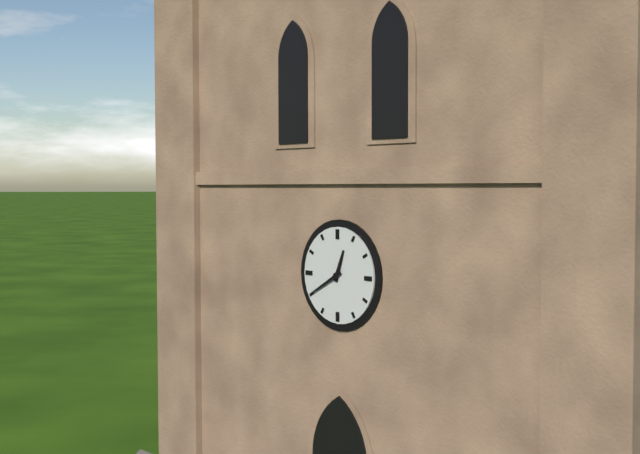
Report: 12:40
